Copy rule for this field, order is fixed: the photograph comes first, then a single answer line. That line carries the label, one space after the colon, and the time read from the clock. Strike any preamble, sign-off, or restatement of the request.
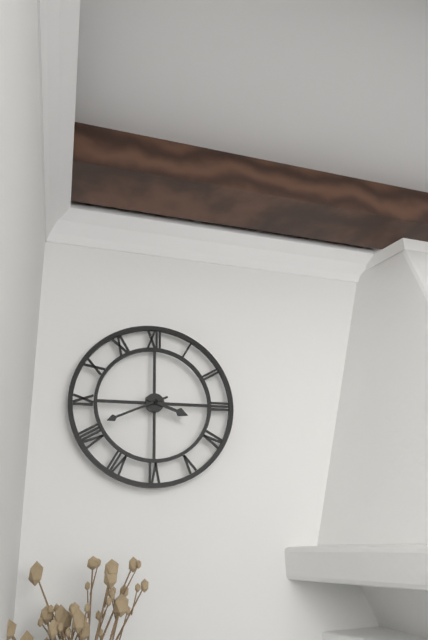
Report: 3:41
